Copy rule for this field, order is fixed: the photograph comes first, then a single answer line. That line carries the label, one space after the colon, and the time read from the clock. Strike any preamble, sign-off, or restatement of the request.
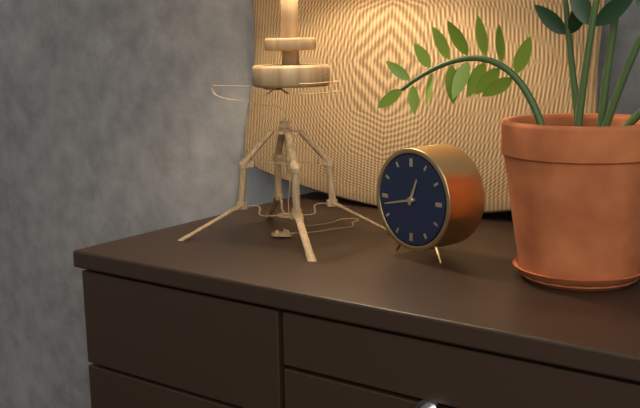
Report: 12:43
